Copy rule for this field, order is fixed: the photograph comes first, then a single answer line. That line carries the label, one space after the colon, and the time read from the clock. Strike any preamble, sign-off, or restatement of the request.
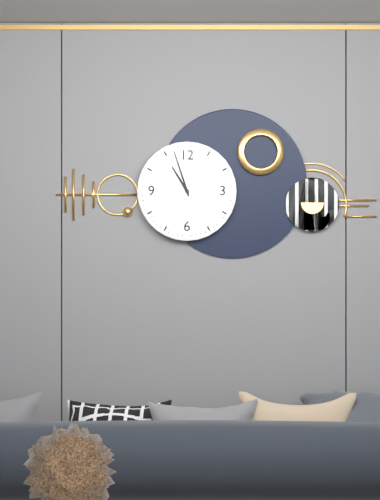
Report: 10:57
